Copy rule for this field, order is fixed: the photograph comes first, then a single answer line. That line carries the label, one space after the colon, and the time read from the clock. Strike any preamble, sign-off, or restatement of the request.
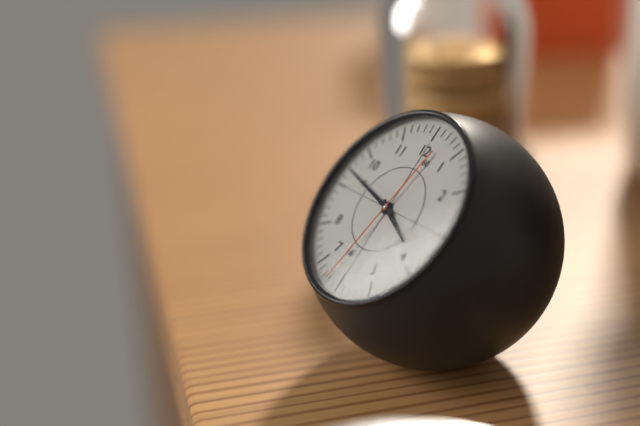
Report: 3:47:32
